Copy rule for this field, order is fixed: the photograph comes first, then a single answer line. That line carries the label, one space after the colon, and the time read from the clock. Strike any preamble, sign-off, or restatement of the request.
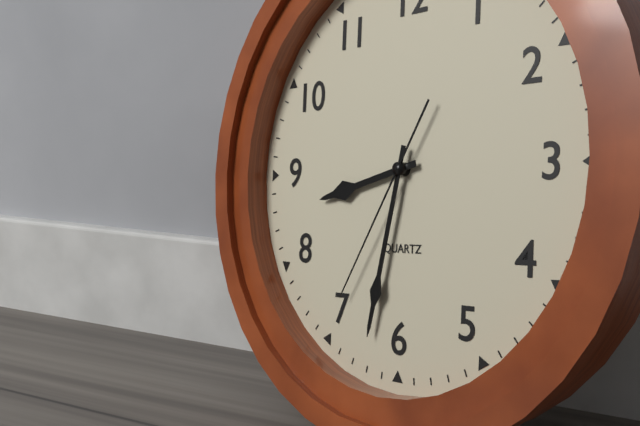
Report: 8:32:35
